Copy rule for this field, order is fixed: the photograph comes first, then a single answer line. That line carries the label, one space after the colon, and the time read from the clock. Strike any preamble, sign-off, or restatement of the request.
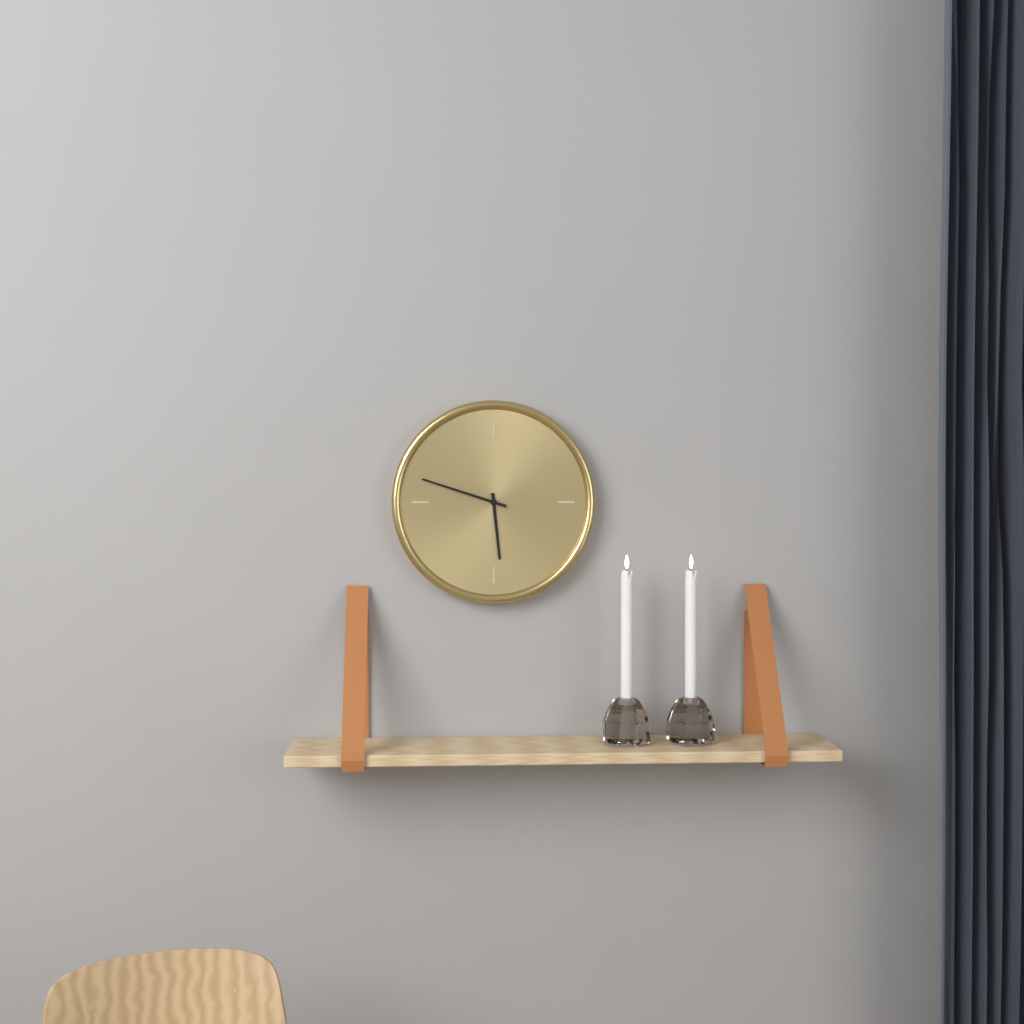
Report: 5:48
